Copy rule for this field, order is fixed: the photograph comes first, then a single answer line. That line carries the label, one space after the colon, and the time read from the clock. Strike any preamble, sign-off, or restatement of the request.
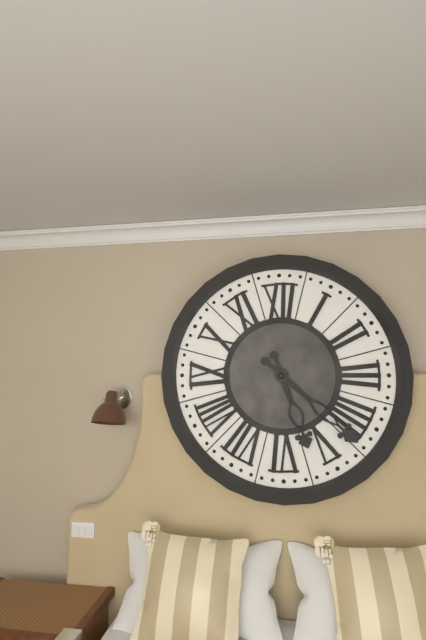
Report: 5:22
